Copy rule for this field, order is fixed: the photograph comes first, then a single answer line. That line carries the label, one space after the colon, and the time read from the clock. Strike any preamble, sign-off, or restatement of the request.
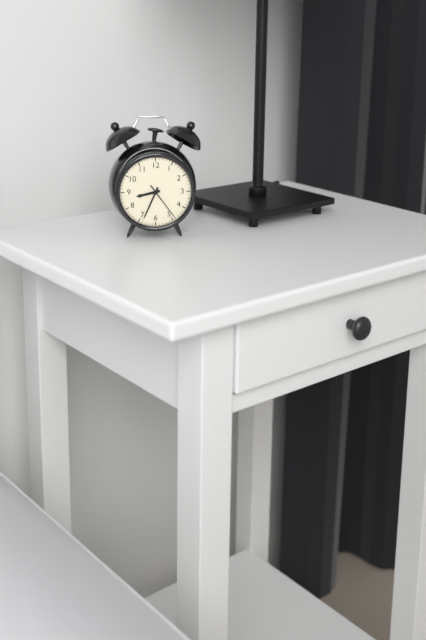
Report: 8:34
